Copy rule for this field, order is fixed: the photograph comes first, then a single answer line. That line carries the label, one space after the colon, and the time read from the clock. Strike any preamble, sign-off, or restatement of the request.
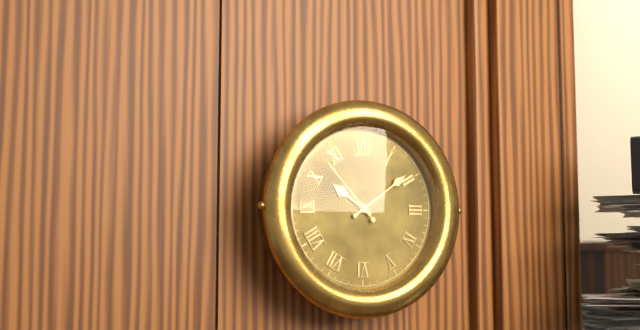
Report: 10:09:53
